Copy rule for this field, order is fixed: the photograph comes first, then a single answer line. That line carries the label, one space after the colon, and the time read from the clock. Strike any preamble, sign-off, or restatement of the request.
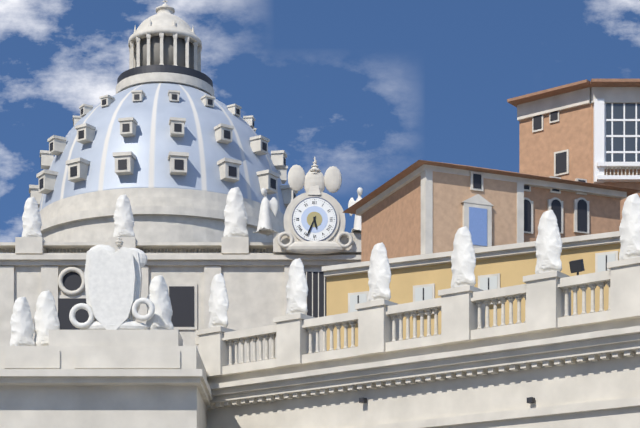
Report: 5:34
